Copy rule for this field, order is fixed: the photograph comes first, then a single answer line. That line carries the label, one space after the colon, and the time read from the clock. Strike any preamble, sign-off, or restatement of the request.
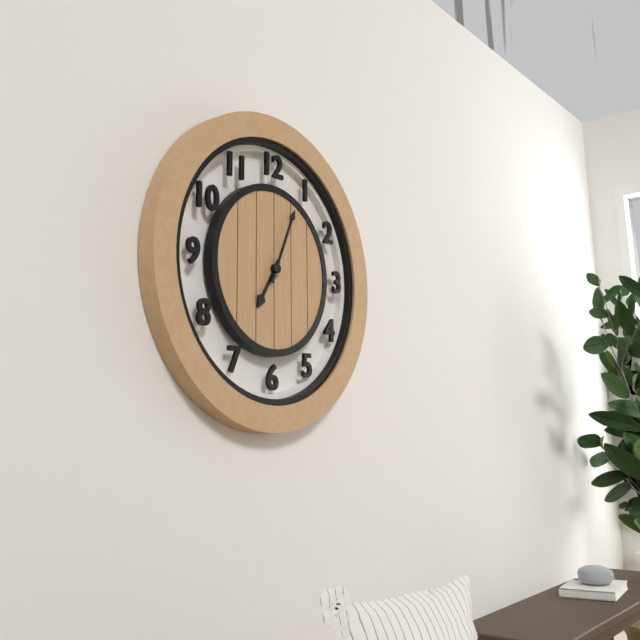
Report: 7:04
